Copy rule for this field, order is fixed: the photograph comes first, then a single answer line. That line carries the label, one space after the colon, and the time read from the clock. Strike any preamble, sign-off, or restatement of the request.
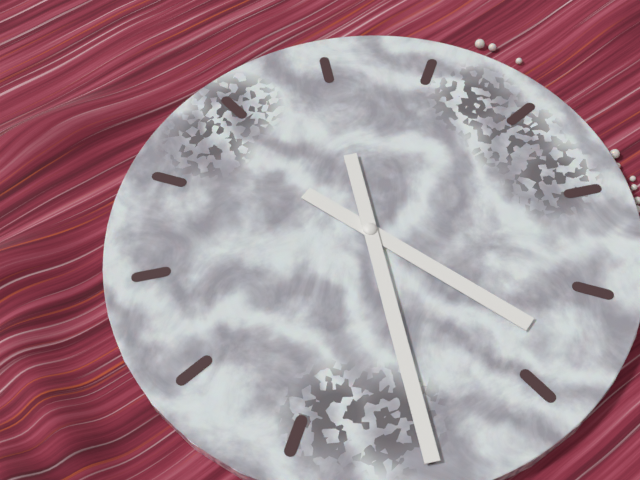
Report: 5:35
